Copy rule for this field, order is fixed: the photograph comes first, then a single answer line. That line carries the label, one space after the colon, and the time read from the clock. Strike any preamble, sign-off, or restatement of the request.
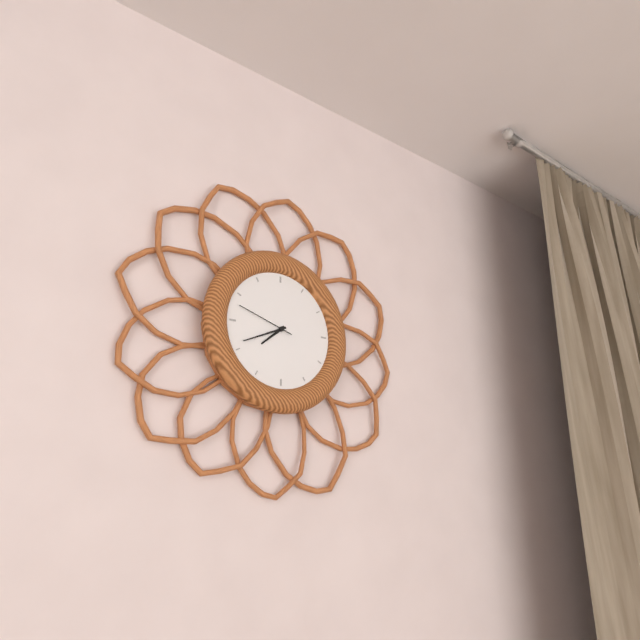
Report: 7:41:48
